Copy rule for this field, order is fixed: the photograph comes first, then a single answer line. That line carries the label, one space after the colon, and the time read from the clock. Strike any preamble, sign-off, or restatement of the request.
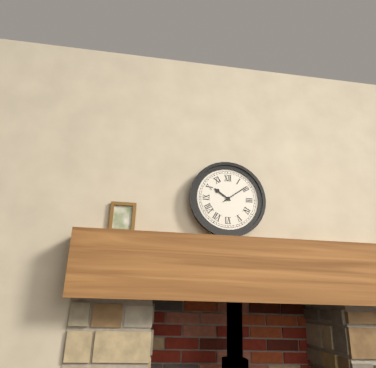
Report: 10:09
